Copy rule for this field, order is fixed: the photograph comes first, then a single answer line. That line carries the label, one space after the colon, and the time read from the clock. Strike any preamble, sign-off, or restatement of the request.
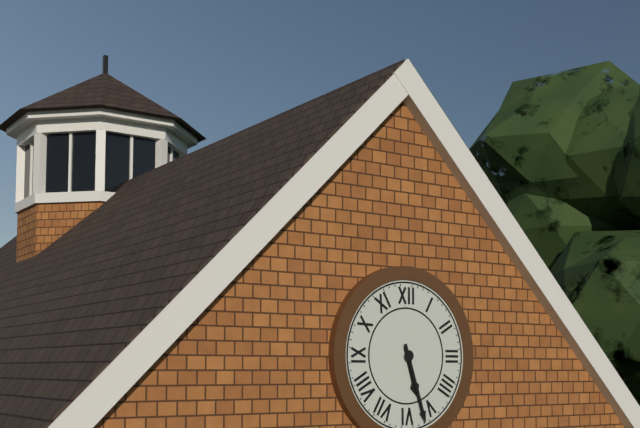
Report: 5:27
